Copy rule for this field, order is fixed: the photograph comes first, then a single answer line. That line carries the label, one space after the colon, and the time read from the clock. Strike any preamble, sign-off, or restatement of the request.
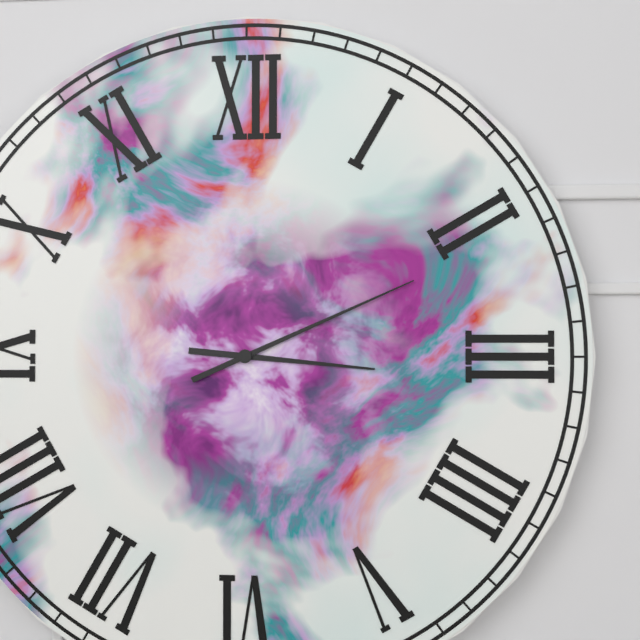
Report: 3:11
